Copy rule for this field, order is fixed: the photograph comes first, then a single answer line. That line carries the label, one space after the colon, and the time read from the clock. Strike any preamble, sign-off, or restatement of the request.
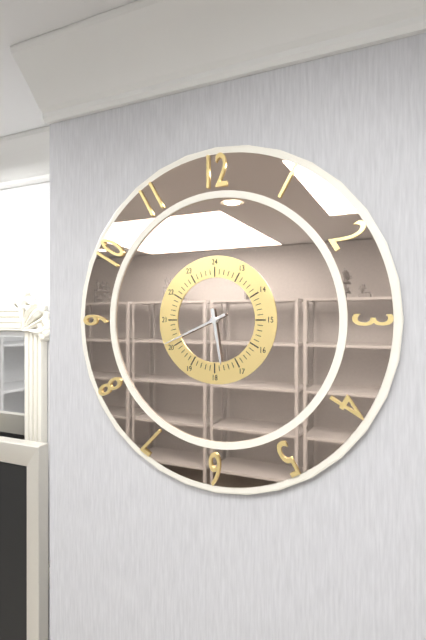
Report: 5:41
